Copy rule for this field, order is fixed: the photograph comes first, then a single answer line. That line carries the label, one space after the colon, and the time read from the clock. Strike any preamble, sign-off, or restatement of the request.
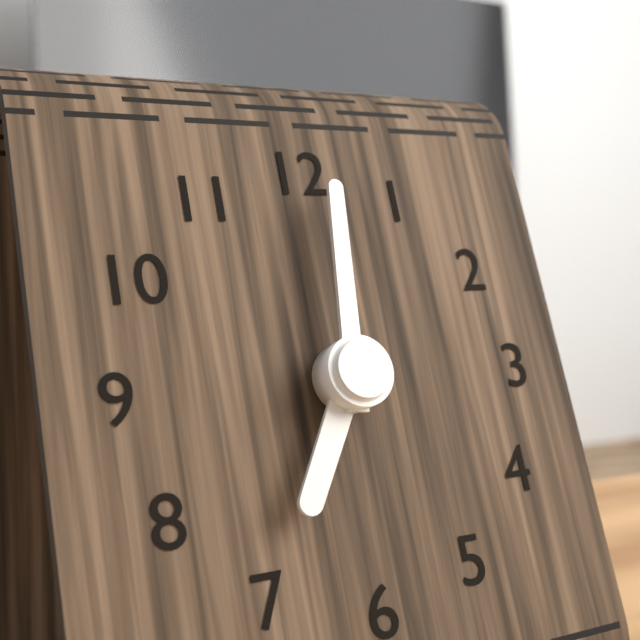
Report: 7:01
